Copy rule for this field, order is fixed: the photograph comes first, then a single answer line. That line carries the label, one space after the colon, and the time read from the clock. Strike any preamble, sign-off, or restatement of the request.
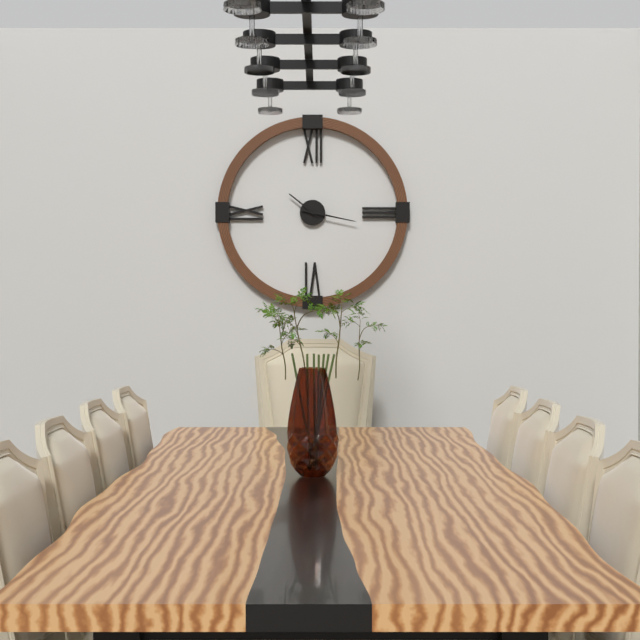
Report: 10:17
